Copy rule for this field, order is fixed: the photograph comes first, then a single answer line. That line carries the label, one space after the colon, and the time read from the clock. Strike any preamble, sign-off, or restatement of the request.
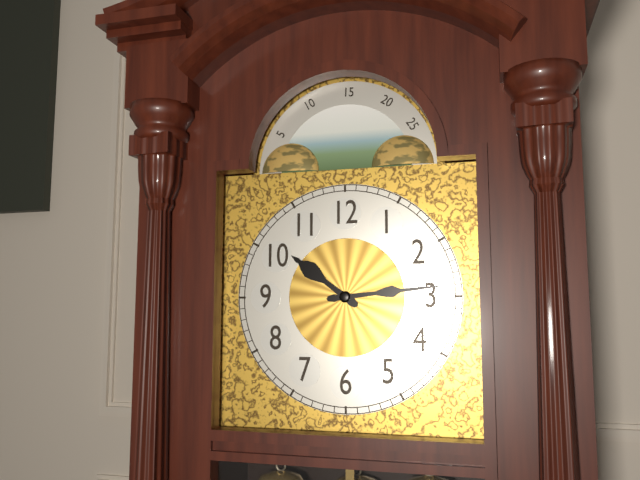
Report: 10:14
